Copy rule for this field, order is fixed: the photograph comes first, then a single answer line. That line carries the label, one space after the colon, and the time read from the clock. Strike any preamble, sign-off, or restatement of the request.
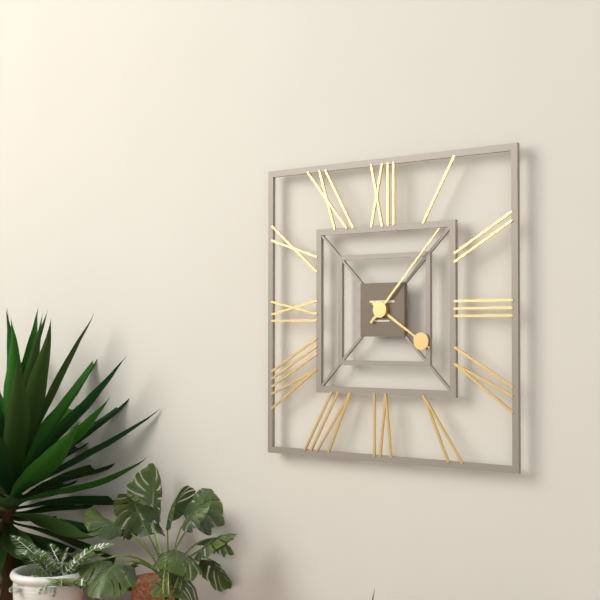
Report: 4:07
